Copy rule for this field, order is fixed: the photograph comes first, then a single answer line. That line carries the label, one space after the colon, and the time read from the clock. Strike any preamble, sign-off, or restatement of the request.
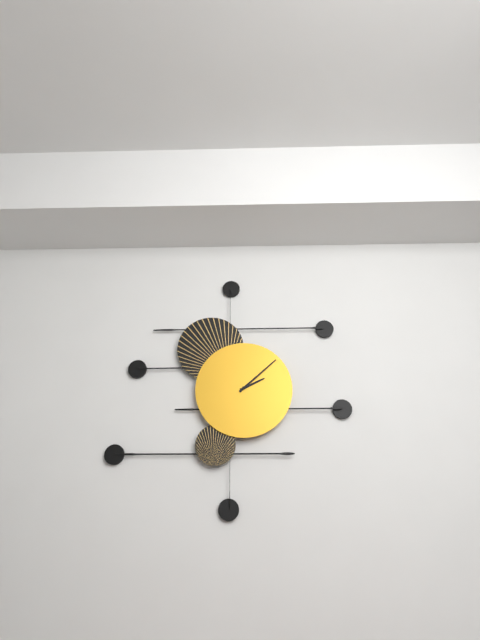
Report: 2:08
